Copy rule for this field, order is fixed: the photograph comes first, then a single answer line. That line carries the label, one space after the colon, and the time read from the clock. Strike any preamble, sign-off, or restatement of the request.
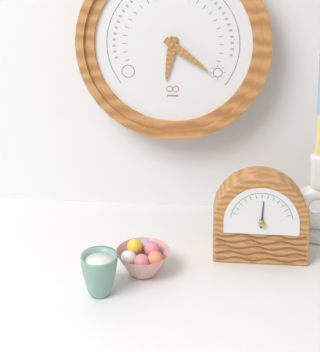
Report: 6:21
